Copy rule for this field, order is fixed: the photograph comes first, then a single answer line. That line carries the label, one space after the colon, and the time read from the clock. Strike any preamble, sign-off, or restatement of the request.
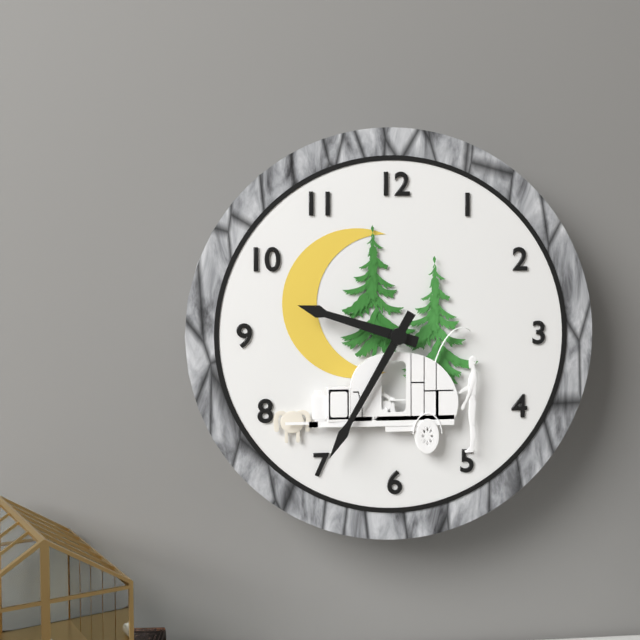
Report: 9:35
